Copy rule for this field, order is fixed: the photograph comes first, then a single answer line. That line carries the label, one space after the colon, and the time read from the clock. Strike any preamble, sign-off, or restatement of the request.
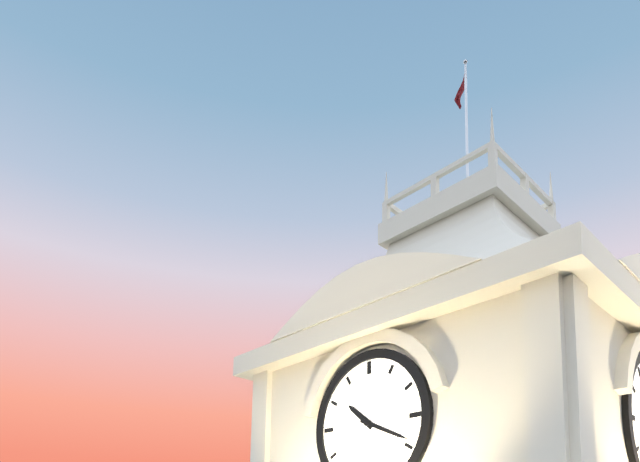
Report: 10:19
